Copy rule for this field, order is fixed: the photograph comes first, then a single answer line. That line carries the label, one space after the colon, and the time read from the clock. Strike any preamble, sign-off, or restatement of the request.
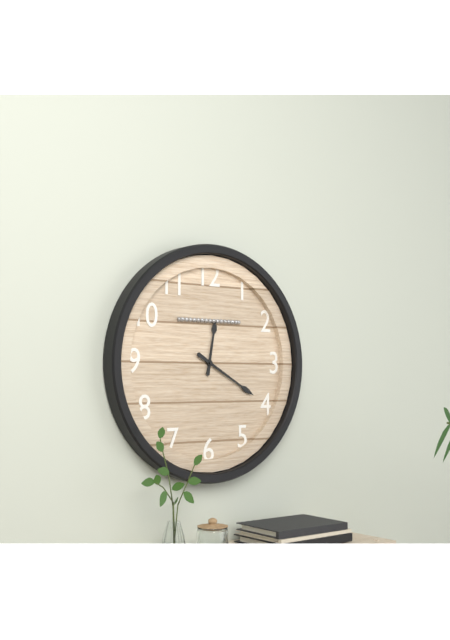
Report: 12:20
